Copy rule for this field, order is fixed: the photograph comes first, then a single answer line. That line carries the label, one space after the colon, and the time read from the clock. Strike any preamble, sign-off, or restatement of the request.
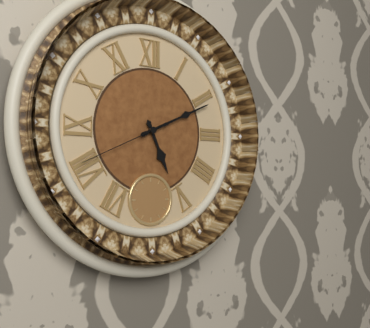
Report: 5:11:41
